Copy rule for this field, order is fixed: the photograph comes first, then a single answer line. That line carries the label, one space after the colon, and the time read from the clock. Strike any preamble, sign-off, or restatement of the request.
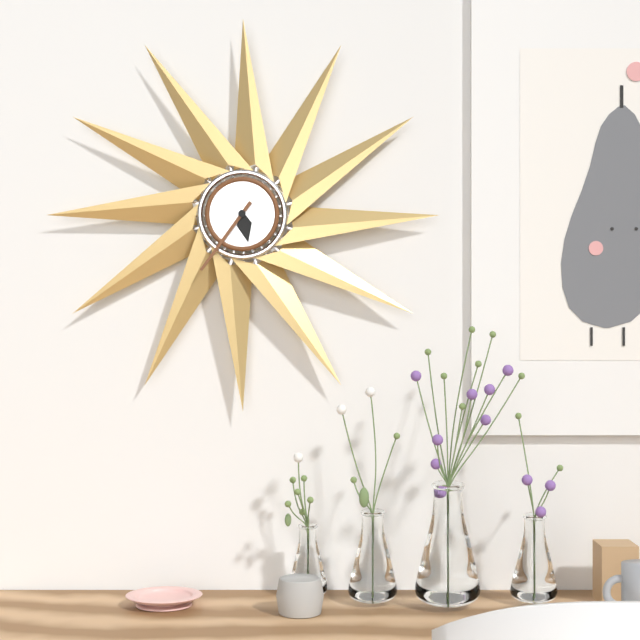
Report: 5:36
